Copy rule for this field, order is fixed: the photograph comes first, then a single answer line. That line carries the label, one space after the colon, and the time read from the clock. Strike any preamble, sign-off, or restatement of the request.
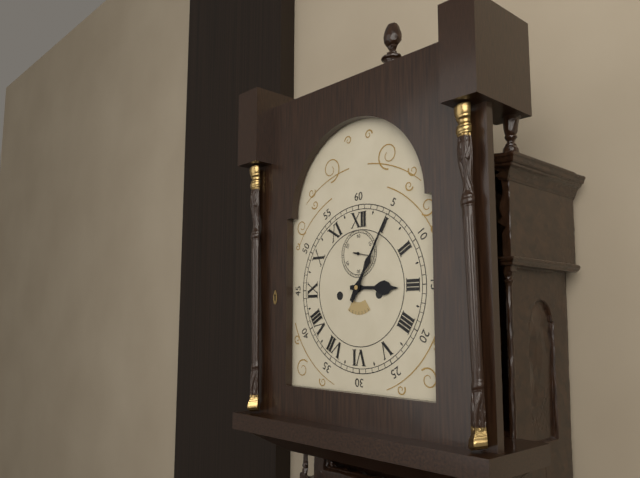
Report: 3:05
